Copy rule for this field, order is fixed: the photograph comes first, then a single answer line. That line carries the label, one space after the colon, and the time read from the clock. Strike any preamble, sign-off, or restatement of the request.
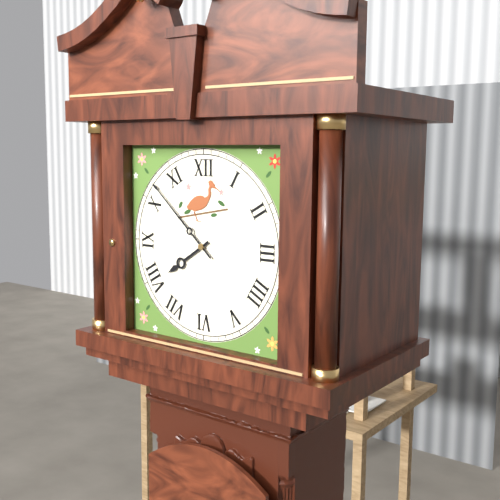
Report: 7:52
